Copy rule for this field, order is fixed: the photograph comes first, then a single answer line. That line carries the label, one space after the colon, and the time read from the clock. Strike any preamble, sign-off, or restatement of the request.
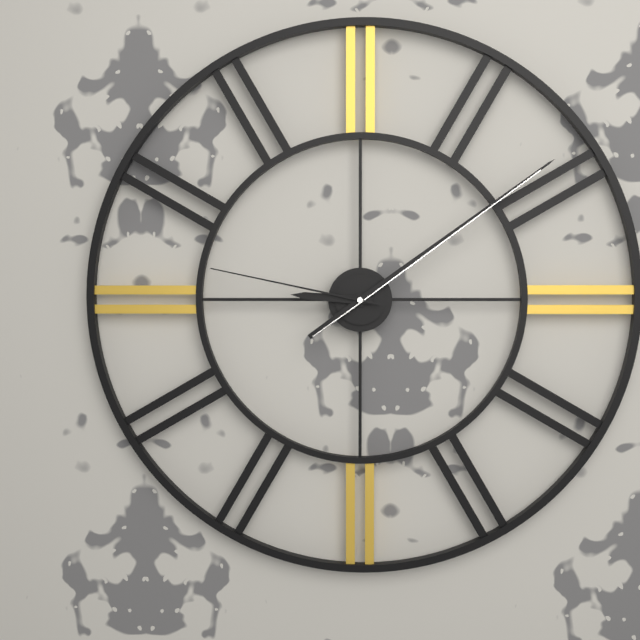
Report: 9:09:47
